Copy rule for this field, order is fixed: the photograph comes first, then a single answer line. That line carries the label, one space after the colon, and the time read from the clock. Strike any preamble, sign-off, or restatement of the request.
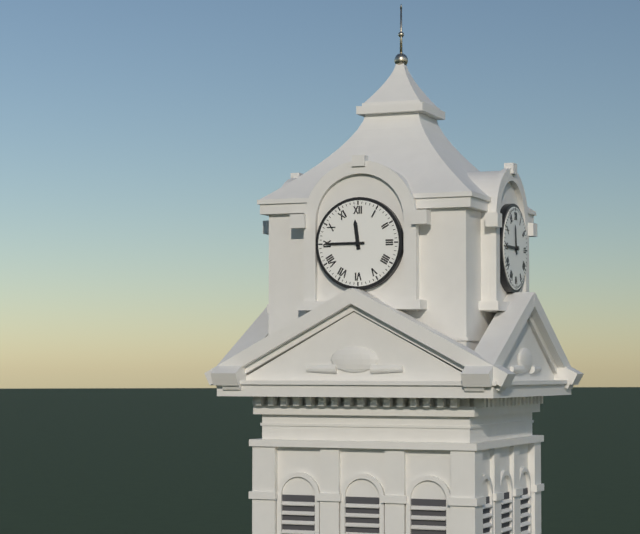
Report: 11:45
